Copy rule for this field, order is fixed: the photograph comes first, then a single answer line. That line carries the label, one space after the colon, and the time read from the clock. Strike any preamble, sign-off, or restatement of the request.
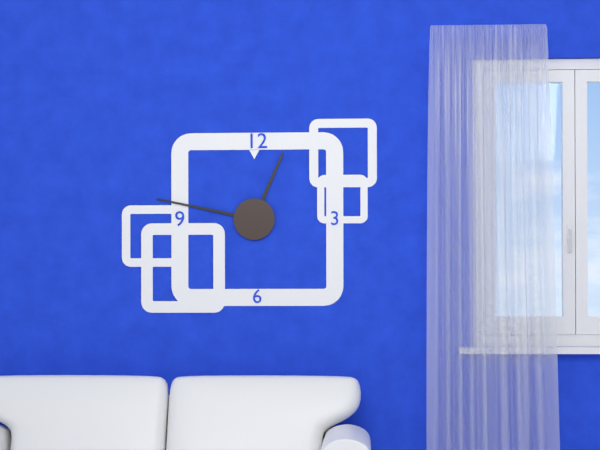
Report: 12:47
